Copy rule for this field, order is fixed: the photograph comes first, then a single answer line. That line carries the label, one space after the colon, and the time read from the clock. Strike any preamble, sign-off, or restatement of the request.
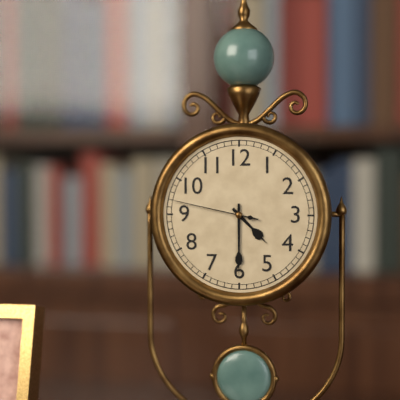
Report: 4:30:47
